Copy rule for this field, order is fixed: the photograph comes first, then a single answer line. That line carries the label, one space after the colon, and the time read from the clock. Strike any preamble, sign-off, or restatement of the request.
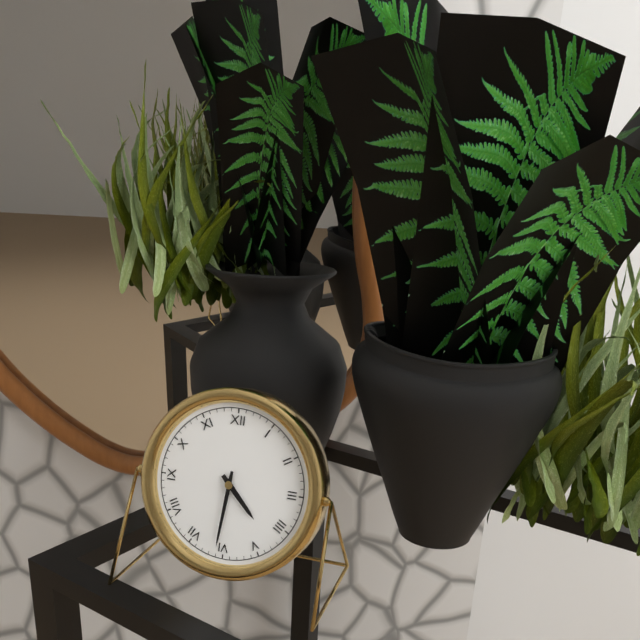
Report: 4:31
